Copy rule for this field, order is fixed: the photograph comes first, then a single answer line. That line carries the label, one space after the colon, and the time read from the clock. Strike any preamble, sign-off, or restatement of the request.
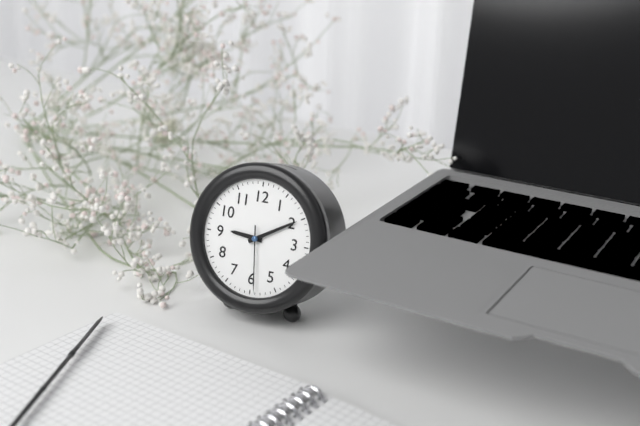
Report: 9:10:29
